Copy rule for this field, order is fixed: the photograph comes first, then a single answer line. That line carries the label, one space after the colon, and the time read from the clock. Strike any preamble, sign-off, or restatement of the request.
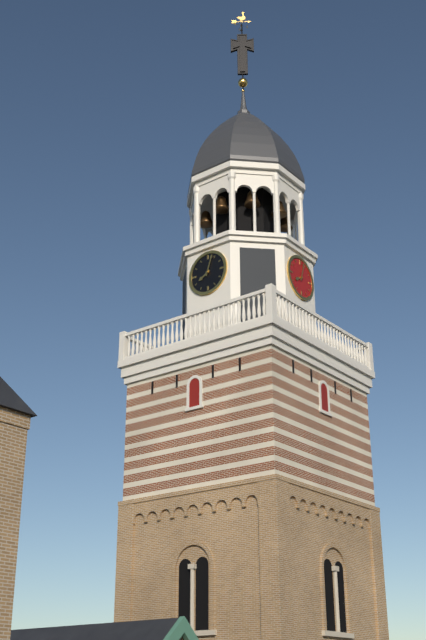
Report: 8:03
